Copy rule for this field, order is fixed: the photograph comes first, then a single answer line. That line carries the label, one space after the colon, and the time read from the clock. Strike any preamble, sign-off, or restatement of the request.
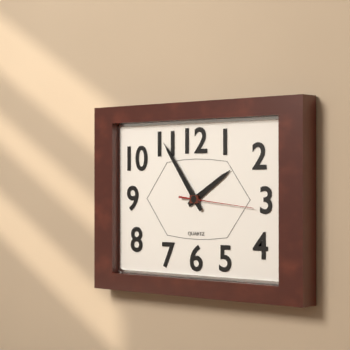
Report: 1:54:16
